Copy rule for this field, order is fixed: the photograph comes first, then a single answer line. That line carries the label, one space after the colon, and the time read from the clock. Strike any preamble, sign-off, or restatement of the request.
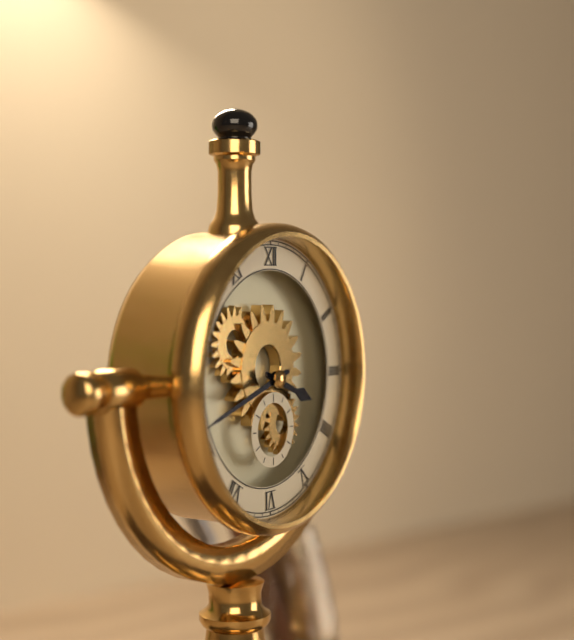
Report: 3:42
